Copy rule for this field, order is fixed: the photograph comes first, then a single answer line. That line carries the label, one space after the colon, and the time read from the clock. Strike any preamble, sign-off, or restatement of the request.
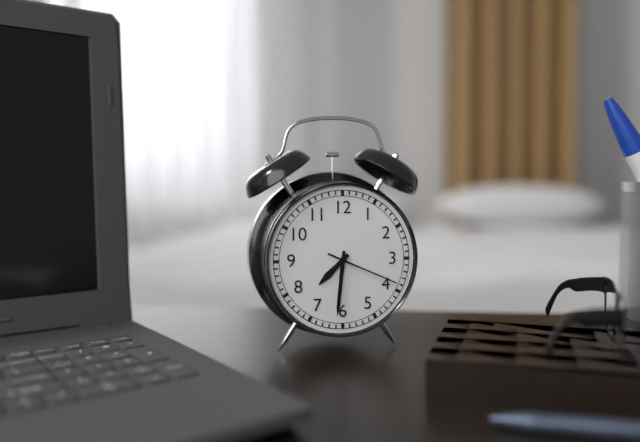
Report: 7:31:19
